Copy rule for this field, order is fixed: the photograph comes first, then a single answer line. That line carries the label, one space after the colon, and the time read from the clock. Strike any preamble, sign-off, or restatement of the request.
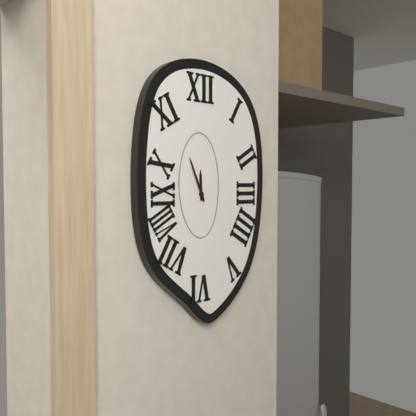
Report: 11:56
